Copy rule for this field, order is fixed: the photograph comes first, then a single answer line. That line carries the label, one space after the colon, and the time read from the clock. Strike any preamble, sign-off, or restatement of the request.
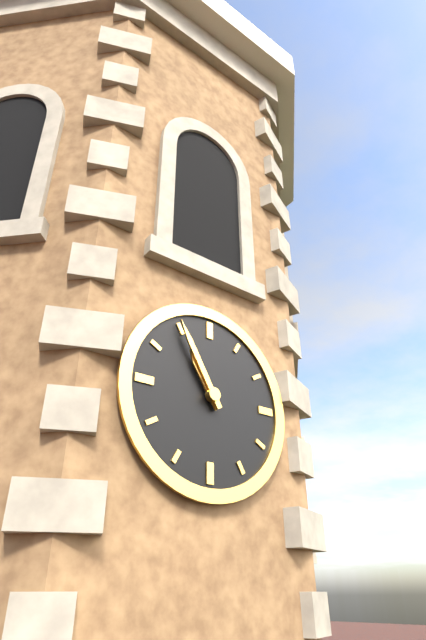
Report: 10:55
